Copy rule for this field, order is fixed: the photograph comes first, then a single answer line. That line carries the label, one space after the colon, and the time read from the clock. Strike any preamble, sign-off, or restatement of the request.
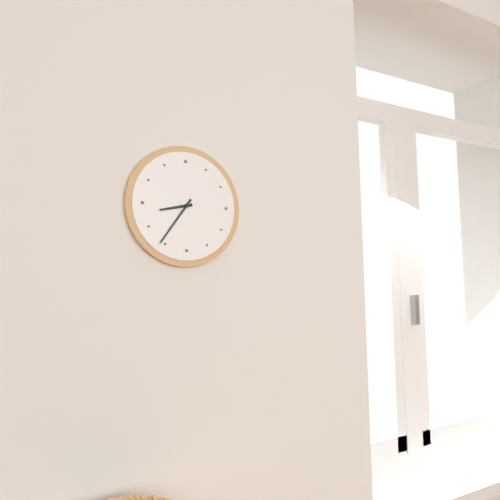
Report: 8:36
